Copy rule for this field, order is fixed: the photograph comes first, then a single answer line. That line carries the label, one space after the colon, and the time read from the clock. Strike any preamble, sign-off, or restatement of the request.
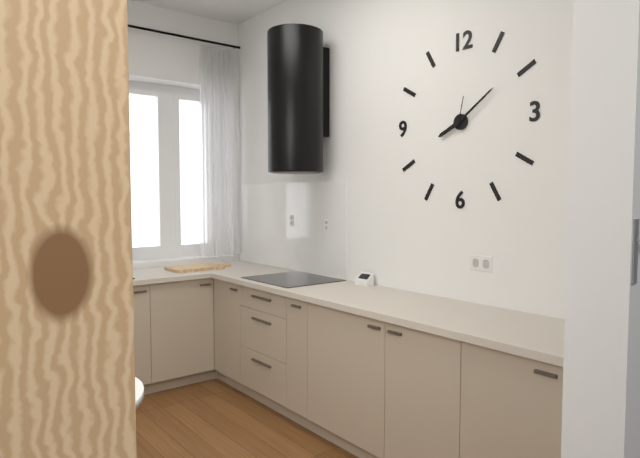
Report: 8:09
